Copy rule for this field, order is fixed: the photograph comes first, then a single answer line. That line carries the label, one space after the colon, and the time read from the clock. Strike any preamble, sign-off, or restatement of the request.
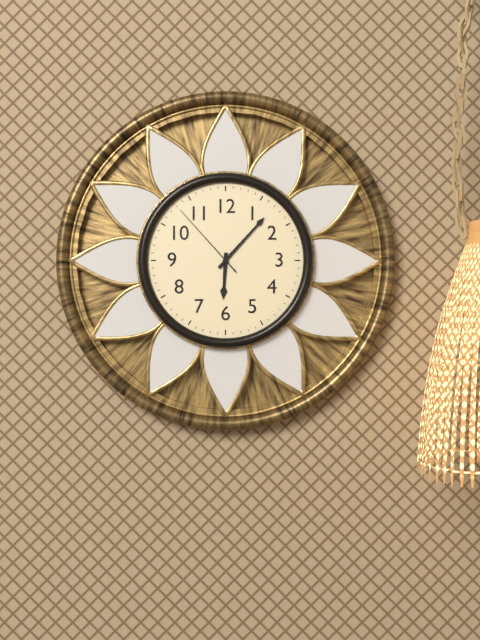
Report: 6:07:53
